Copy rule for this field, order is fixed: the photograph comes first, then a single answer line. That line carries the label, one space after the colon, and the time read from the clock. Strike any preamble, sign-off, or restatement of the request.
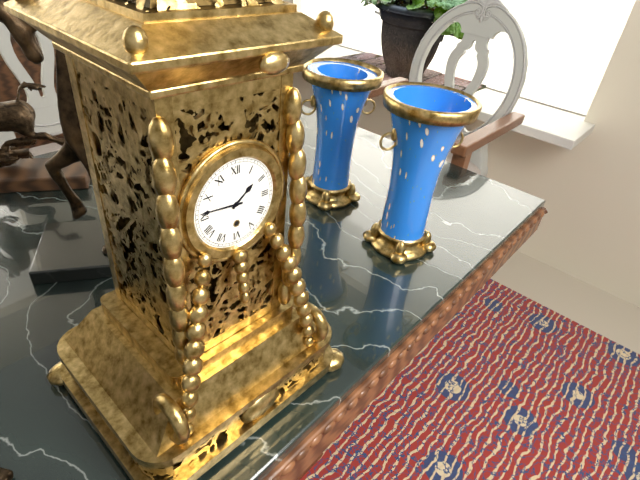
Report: 1:46
